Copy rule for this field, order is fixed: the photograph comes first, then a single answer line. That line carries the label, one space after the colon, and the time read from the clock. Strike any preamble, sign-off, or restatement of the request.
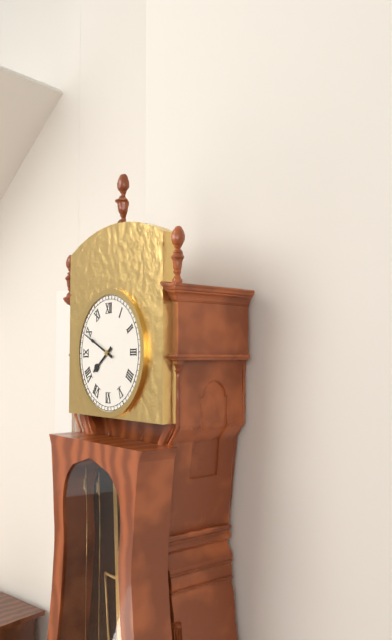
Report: 7:49
